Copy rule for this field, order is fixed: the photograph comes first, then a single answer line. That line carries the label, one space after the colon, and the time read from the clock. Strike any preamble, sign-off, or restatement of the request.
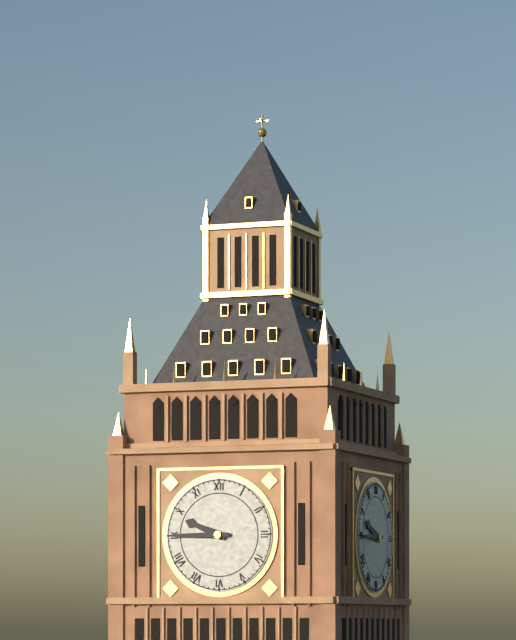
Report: 9:45
